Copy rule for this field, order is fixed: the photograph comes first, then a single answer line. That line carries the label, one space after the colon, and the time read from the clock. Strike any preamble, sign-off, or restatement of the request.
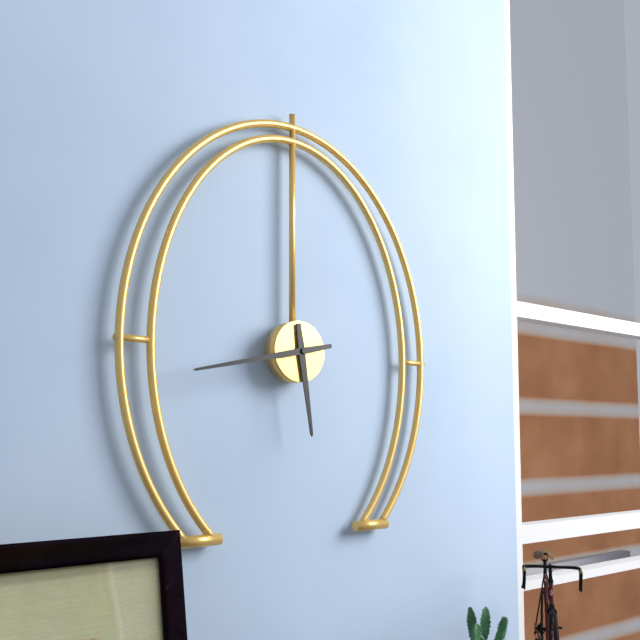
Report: 5:43
